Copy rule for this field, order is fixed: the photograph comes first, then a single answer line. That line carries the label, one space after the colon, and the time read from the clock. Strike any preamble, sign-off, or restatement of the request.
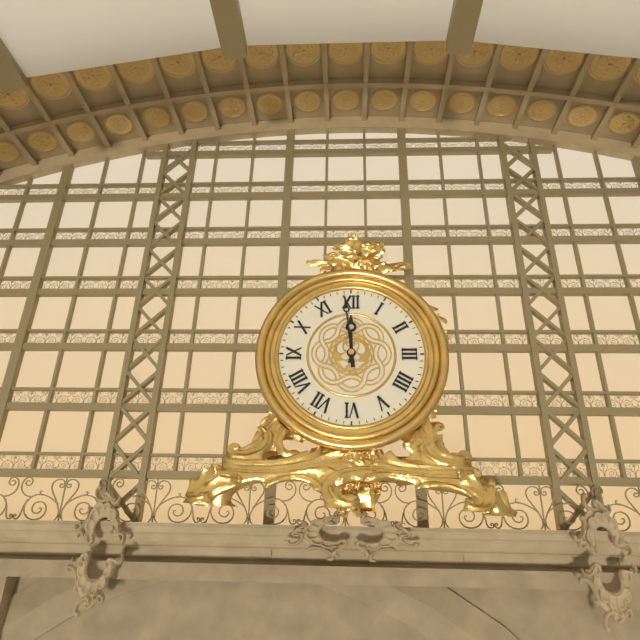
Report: 11:59
